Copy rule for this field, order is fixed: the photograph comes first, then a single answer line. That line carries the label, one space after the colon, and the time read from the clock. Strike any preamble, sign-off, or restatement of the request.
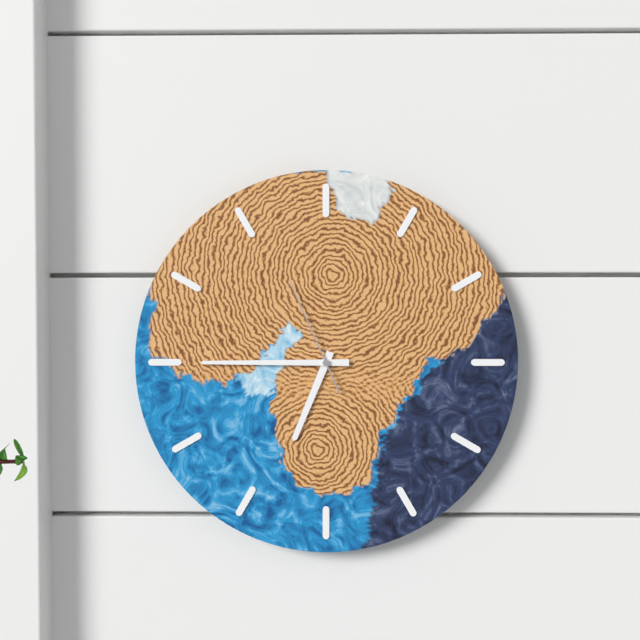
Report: 6:45:56
